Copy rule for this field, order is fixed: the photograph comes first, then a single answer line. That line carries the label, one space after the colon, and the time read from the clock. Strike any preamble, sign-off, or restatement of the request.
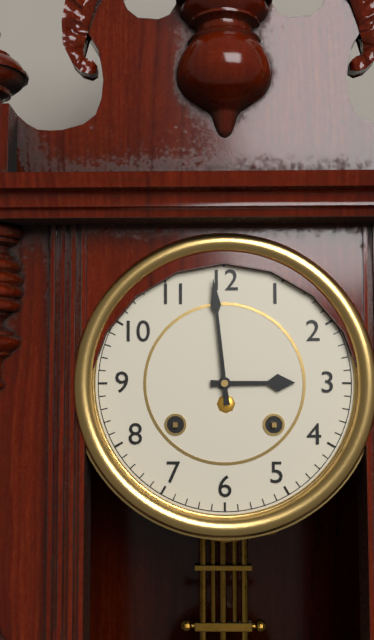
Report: 2:59
